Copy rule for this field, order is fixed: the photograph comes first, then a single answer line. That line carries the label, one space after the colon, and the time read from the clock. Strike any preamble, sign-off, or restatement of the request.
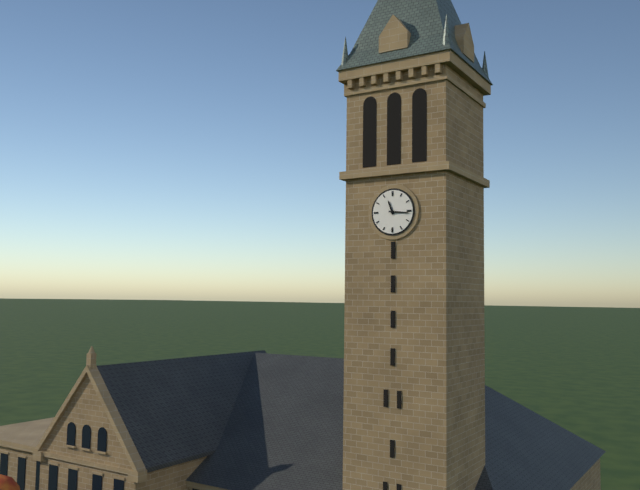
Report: 11:16
